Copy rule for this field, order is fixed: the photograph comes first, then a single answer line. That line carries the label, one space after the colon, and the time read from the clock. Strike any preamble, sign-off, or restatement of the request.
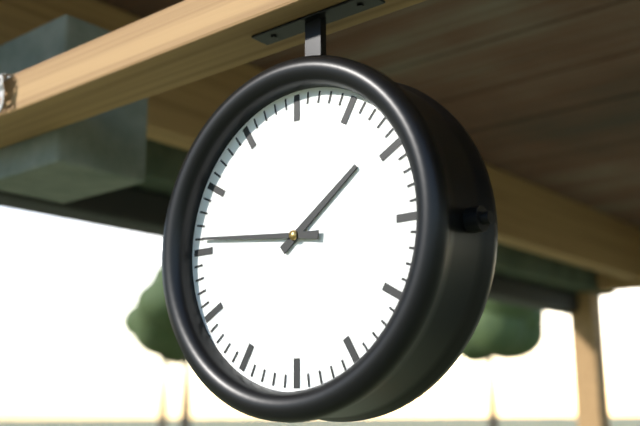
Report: 1:46
